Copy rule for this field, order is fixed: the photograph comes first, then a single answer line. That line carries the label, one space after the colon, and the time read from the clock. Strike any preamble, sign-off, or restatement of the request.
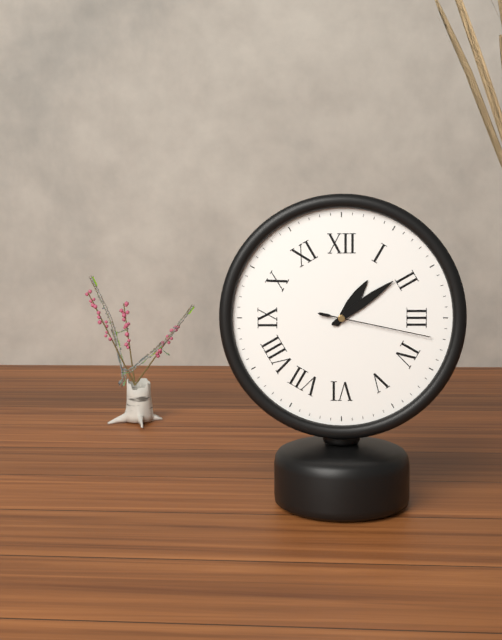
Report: 1:09:17
